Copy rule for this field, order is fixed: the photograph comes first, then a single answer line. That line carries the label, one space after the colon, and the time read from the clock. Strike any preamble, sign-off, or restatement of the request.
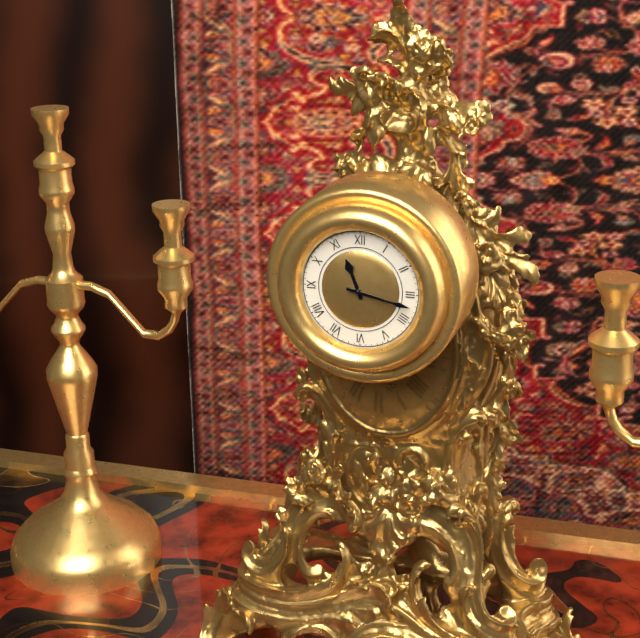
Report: 11:17
